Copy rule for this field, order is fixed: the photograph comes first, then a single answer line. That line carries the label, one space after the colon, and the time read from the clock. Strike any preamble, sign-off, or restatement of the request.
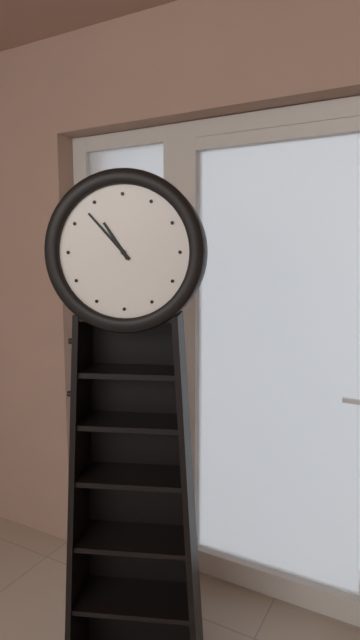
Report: 10:53
